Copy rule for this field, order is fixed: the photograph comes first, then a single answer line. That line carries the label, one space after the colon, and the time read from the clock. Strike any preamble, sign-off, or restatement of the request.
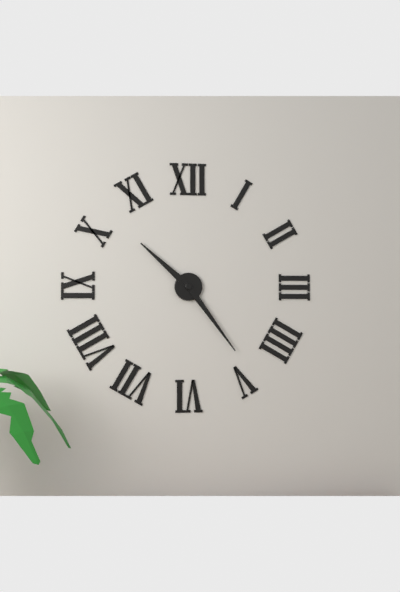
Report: 10:24
